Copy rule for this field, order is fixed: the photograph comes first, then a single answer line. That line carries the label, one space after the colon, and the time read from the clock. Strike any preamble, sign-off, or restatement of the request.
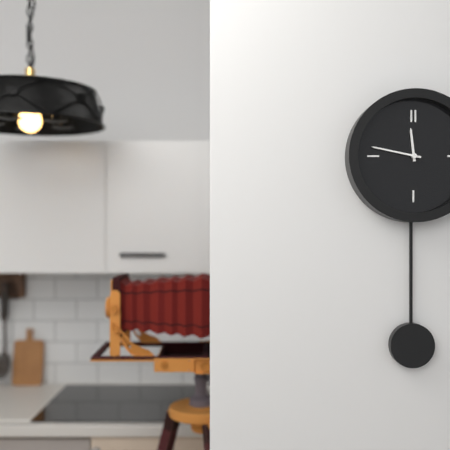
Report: 11:47
